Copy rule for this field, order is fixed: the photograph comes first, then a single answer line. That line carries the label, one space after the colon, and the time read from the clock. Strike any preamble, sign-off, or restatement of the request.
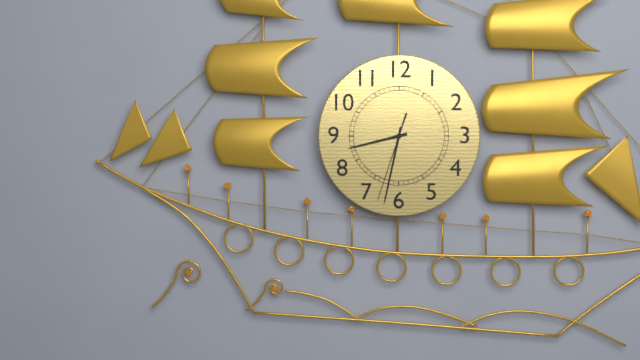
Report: 8:32:33
